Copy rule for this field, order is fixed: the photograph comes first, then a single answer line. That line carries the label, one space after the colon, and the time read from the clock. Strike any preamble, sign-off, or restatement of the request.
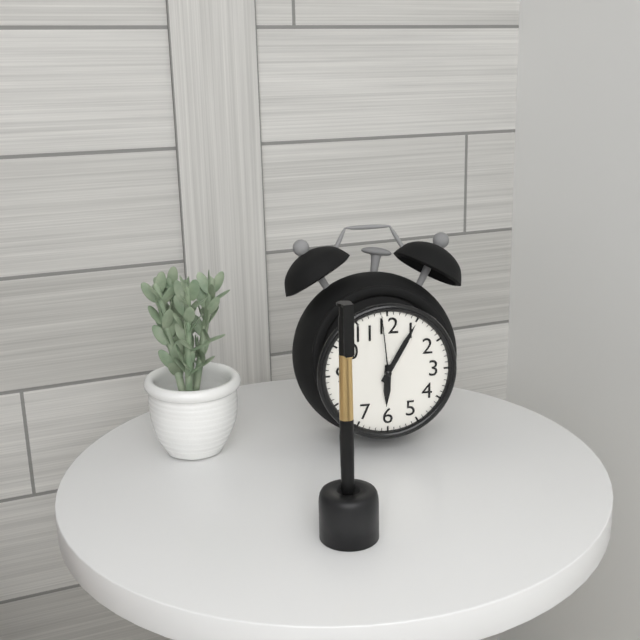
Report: 6:05:59
